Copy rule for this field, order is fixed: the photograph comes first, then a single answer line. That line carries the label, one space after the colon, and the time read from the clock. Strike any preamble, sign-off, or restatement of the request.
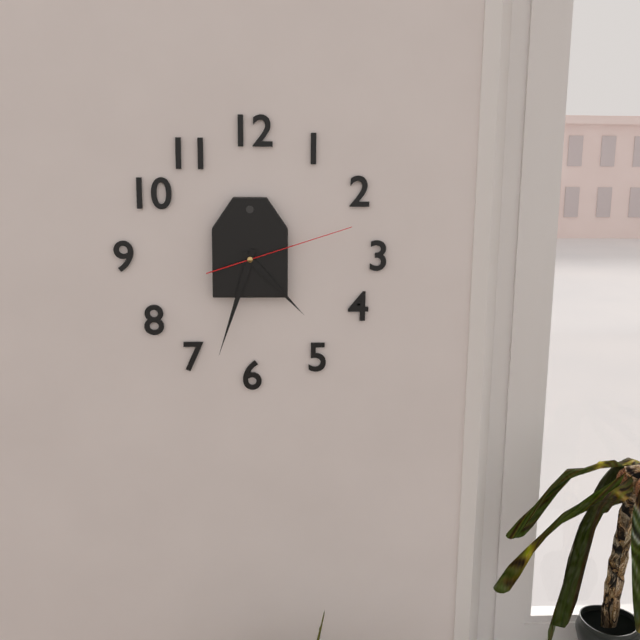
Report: 4:33:12
